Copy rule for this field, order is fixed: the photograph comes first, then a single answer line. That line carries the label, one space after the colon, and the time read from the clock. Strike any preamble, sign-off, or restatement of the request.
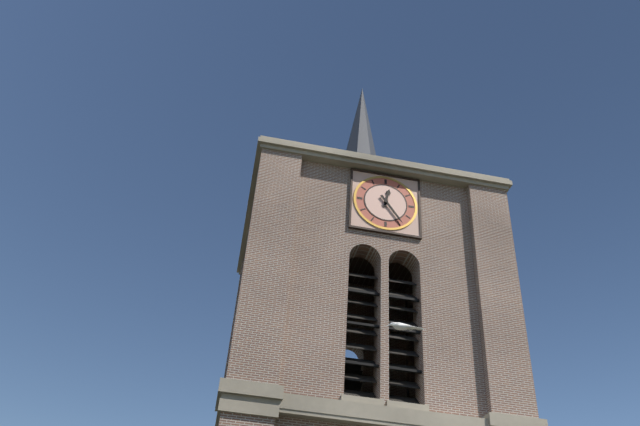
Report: 12:24
